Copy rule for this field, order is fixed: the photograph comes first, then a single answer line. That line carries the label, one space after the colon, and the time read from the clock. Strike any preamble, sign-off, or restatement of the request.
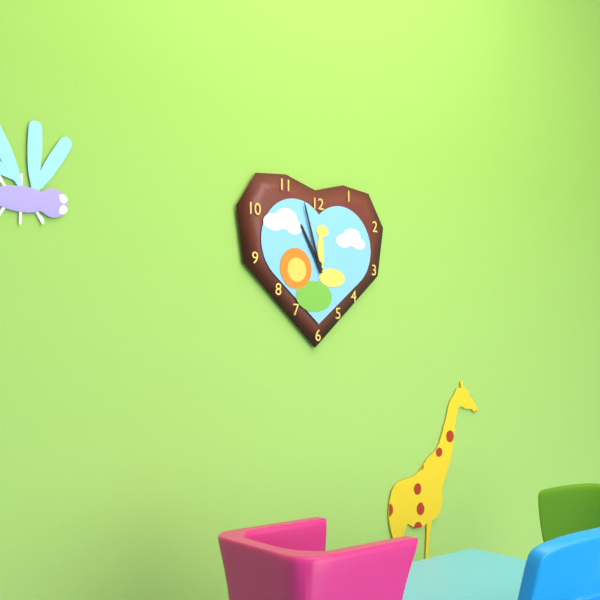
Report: 10:57
